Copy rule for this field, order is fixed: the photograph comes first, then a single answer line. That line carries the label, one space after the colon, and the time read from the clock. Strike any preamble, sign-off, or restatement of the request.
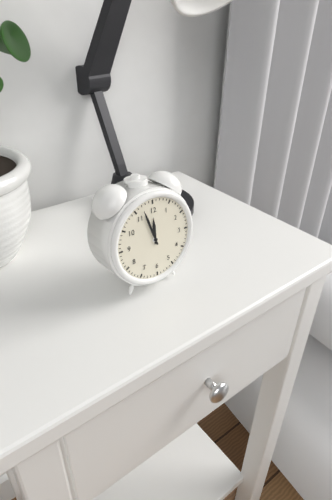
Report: 11:57
